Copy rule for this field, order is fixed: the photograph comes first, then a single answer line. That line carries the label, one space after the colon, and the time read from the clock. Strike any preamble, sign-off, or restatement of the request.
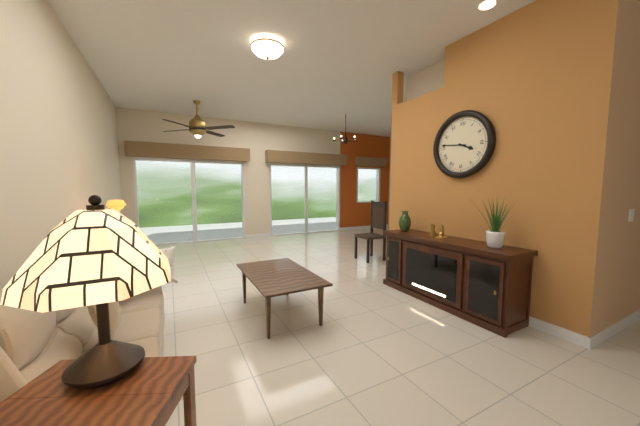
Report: 3:46
